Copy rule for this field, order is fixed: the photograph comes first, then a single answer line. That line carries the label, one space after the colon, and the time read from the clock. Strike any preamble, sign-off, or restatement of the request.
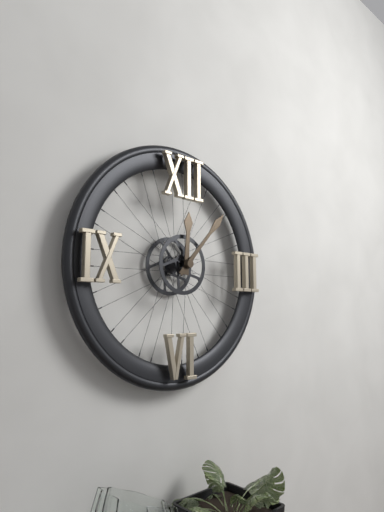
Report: 12:07
